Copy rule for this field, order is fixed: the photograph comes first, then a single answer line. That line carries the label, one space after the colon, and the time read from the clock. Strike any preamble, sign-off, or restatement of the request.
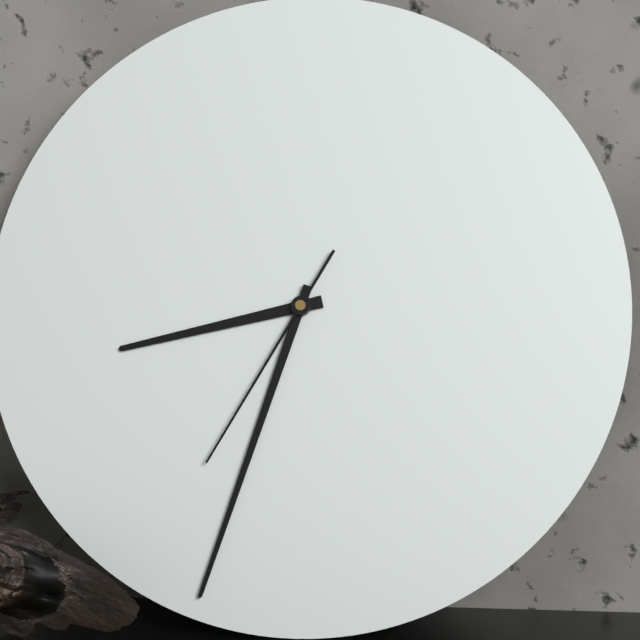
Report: 8:33:35
